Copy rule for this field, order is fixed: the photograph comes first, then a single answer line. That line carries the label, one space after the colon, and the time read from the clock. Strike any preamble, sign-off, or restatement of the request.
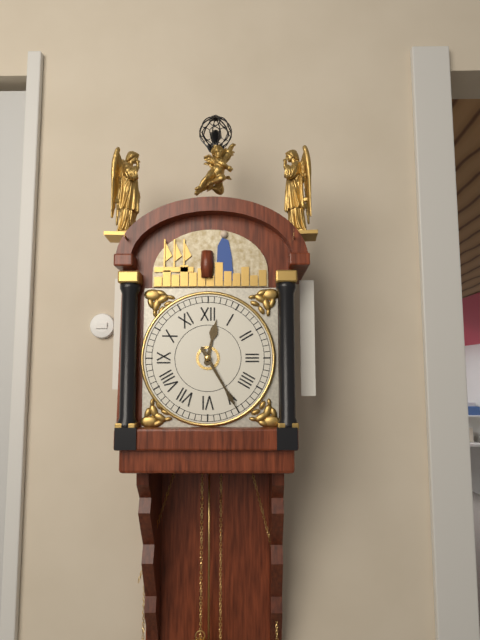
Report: 12:25
